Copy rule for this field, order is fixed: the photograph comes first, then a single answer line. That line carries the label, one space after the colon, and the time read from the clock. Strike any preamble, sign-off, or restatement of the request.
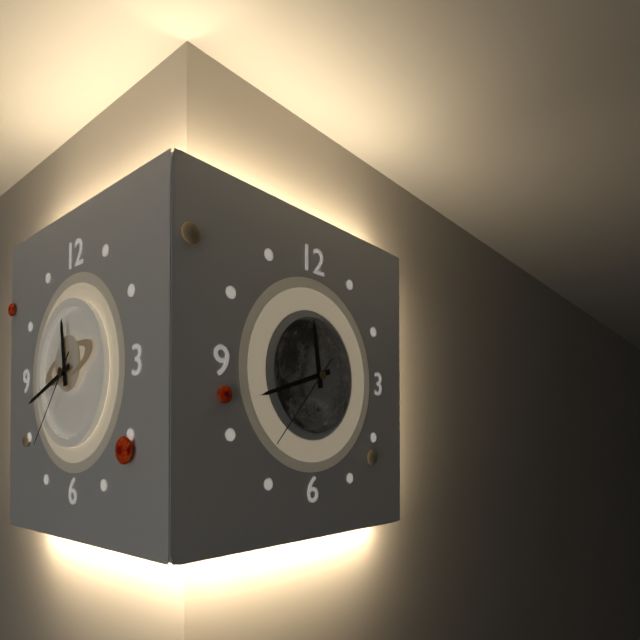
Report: 11:42:37
